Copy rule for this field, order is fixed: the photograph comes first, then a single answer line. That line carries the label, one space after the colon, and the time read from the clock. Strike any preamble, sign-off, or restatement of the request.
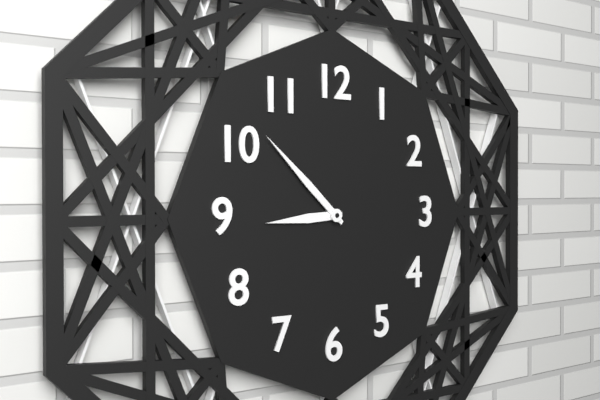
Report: 8:52
